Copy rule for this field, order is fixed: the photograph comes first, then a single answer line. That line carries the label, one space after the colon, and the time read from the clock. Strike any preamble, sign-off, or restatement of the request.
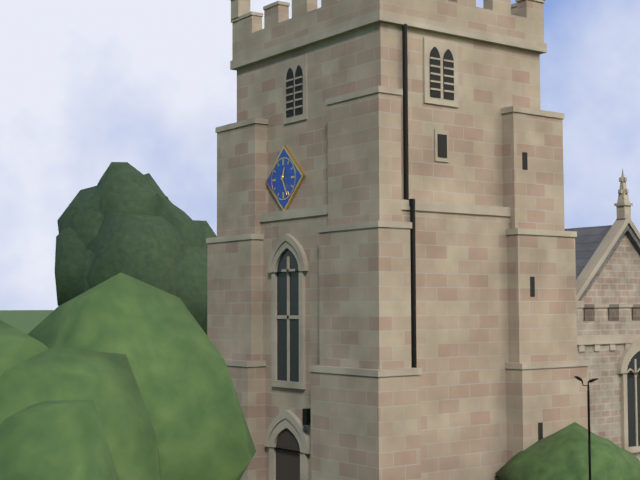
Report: 12:26
